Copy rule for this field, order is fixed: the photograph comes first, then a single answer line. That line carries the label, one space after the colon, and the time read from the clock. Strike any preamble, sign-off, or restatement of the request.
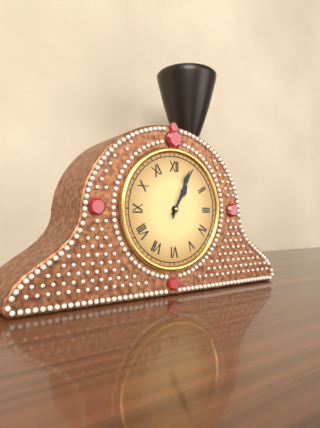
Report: 1:04
